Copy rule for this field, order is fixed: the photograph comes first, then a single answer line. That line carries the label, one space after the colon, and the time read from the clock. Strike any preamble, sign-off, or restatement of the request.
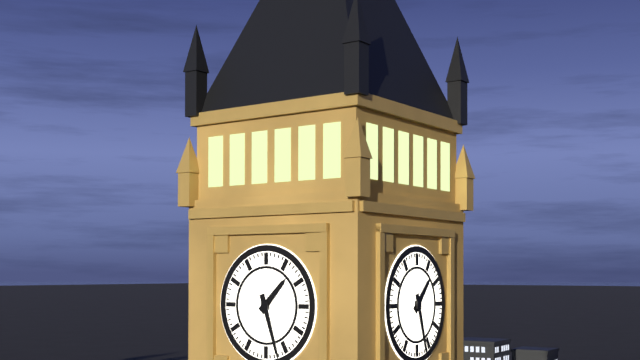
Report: 1:27
